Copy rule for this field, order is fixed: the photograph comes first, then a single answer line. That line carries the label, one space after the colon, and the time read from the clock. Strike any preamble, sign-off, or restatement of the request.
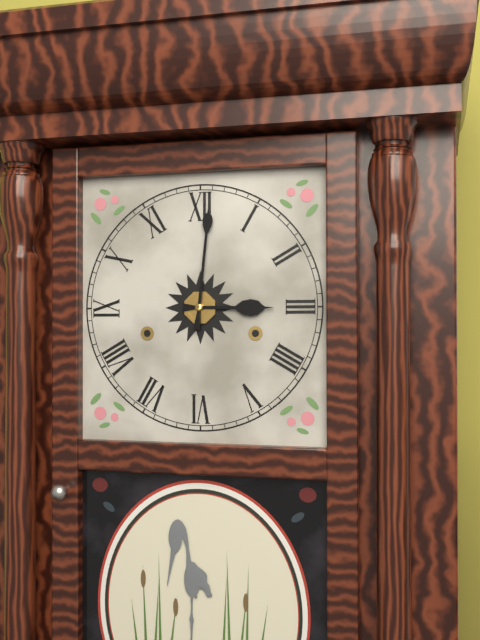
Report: 3:01
